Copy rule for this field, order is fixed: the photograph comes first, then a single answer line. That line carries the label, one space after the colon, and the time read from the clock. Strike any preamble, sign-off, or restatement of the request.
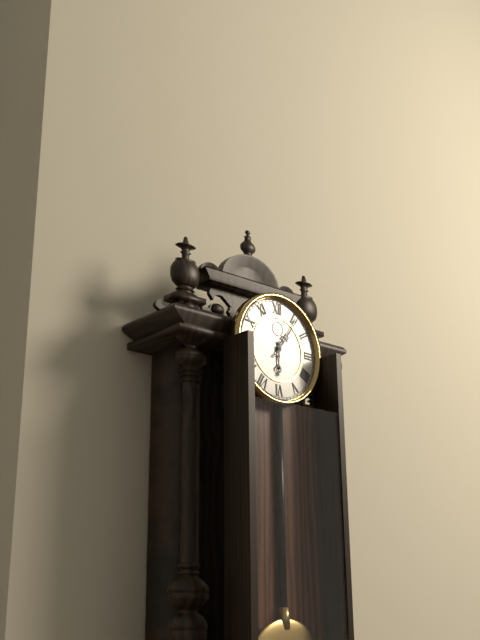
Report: 6:06
